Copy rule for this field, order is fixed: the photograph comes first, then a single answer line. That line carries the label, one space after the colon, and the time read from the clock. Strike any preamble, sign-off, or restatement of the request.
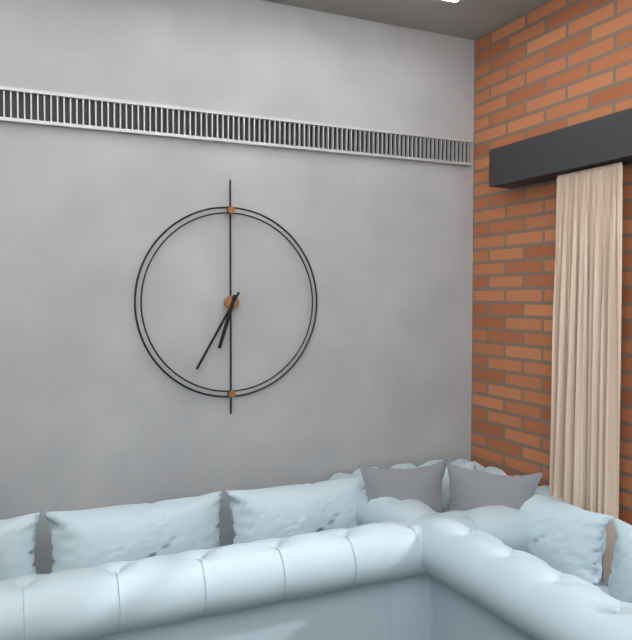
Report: 6:35
